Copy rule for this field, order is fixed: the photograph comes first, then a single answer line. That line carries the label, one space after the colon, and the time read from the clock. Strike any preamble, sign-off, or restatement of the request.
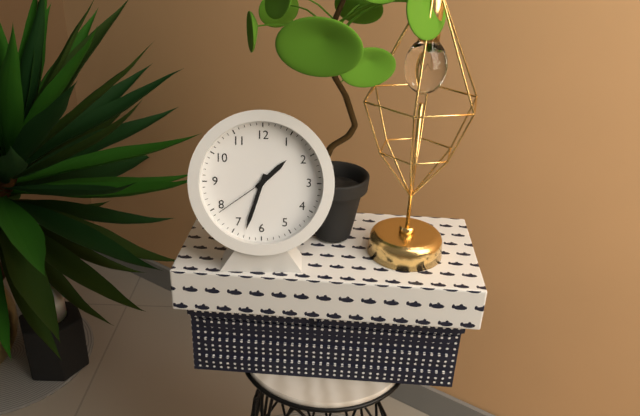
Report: 1:33:39
